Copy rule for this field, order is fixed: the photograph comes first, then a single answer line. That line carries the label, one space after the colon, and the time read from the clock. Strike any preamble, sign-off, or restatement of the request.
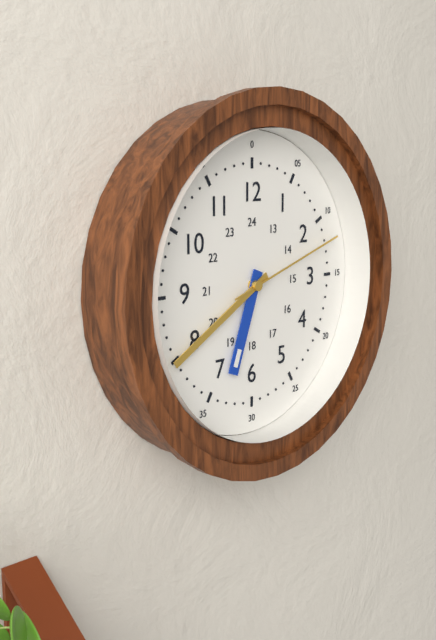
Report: 6:40:12
